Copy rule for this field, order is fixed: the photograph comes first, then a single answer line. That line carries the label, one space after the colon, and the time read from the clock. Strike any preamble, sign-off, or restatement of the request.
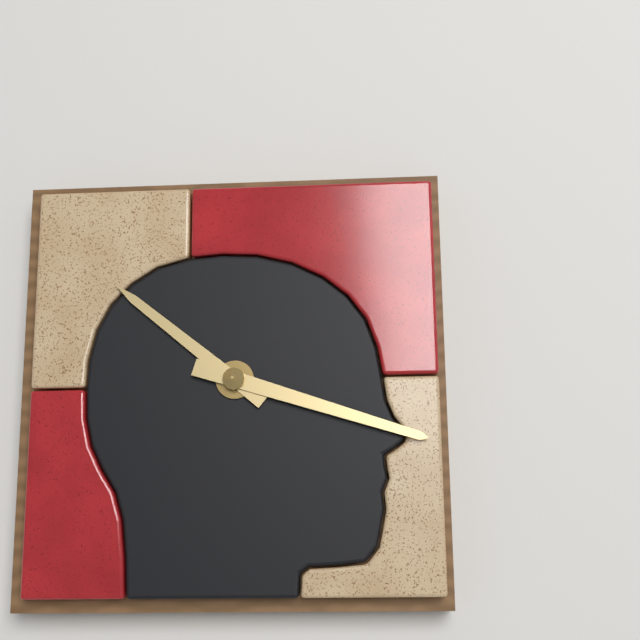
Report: 10:18
